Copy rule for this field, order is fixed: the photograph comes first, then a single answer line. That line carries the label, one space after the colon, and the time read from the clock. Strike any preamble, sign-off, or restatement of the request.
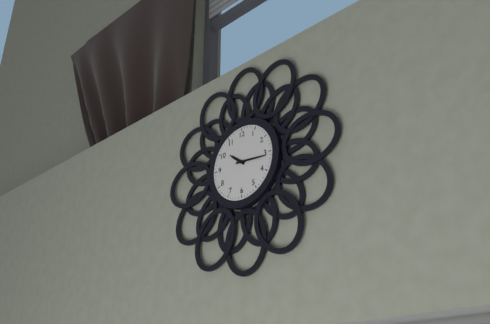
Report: 10:16
